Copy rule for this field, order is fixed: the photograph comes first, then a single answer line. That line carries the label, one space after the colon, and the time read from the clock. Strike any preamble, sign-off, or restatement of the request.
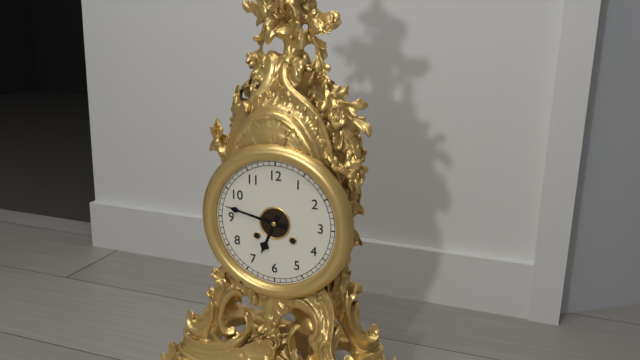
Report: 6:47
